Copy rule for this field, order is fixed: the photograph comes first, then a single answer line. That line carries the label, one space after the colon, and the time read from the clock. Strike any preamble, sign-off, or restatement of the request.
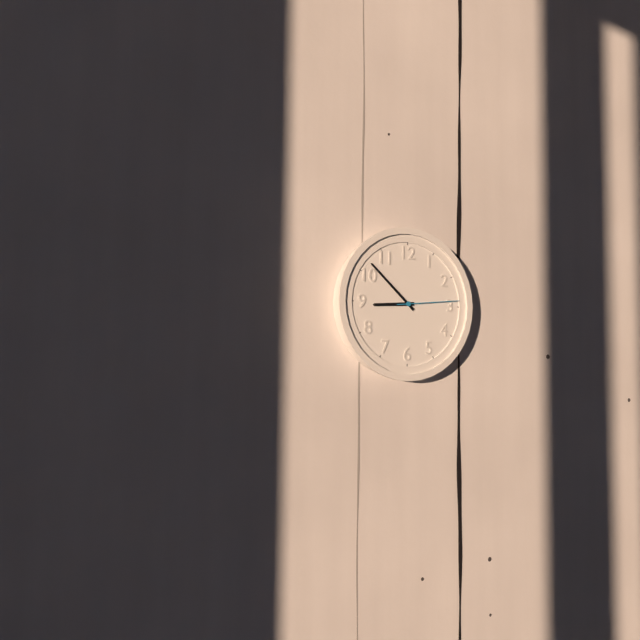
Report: 8:52:14
